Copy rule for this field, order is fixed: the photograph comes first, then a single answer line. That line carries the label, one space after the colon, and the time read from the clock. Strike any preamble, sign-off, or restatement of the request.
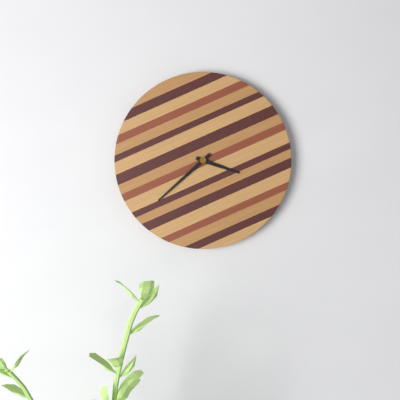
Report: 3:38
